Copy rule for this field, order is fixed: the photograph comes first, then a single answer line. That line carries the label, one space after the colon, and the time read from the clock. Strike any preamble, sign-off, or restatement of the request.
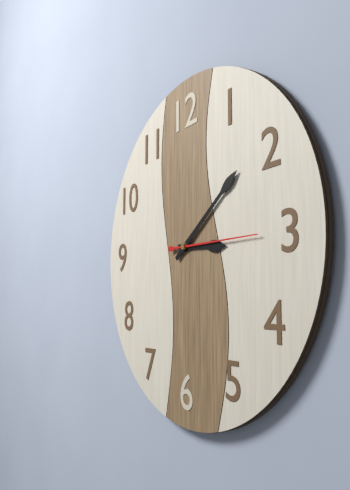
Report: 3:09:15
